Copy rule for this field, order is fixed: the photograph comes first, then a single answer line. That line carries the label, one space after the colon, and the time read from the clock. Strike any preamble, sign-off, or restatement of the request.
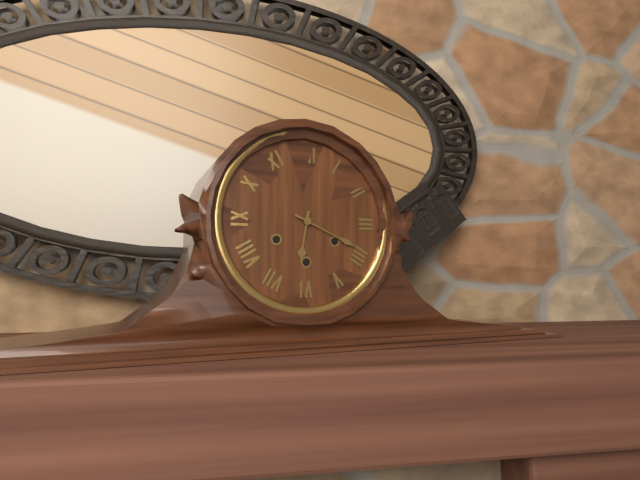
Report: 6:19
